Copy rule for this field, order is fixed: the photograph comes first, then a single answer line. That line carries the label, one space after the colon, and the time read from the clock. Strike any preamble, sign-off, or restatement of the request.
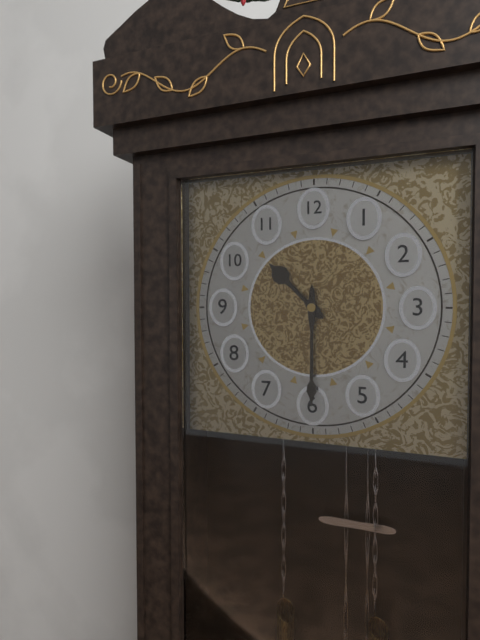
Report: 10:30
